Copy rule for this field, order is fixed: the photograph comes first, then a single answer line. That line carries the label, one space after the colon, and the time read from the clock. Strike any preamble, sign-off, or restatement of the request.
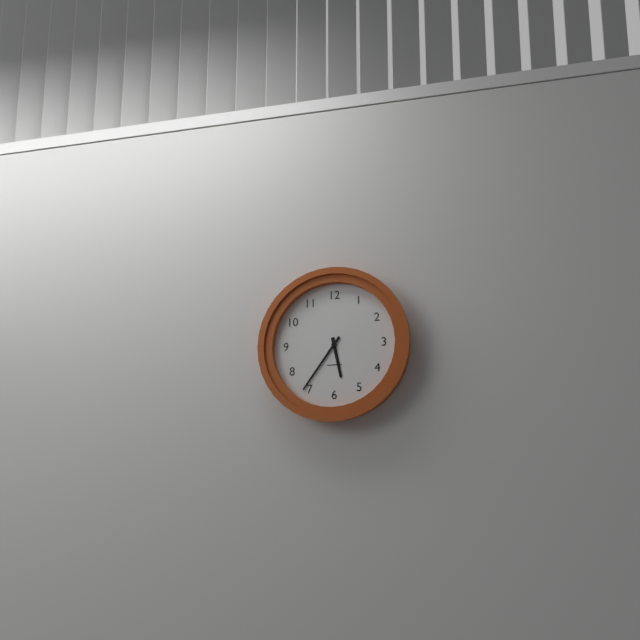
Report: 5:36
